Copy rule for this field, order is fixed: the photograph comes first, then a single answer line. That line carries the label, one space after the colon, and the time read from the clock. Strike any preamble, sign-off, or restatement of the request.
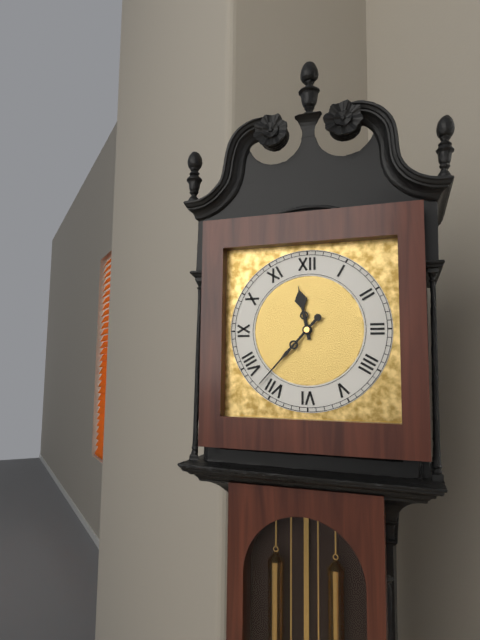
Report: 11:37
